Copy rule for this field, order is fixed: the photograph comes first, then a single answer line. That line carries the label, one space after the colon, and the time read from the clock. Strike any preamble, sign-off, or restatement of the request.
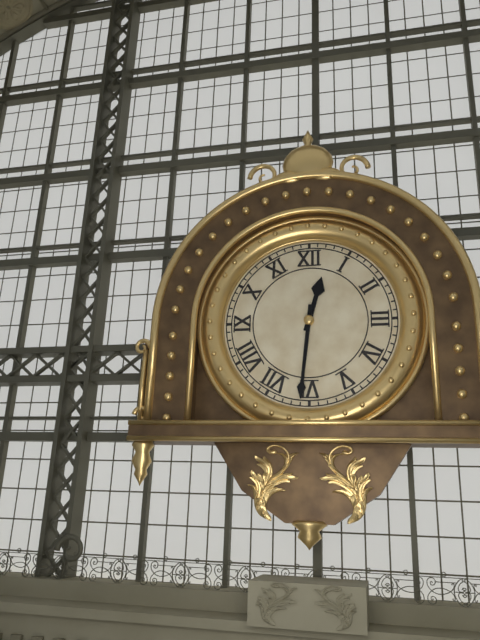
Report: 12:31
